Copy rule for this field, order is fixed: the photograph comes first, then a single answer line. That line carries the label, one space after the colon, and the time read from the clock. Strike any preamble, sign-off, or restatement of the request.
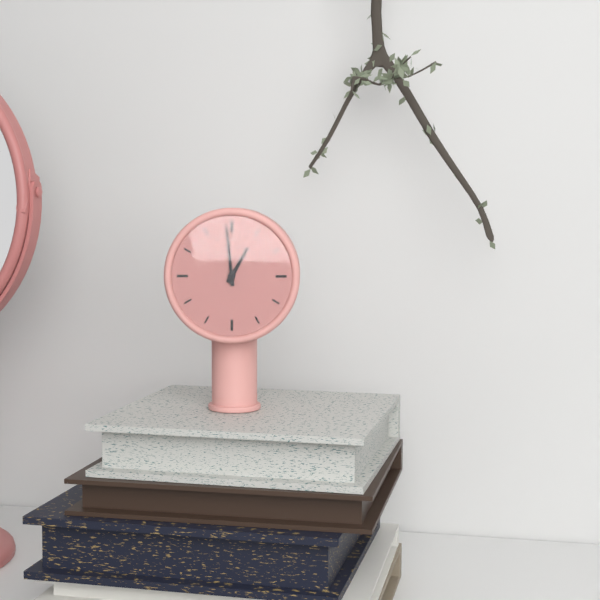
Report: 12:59
